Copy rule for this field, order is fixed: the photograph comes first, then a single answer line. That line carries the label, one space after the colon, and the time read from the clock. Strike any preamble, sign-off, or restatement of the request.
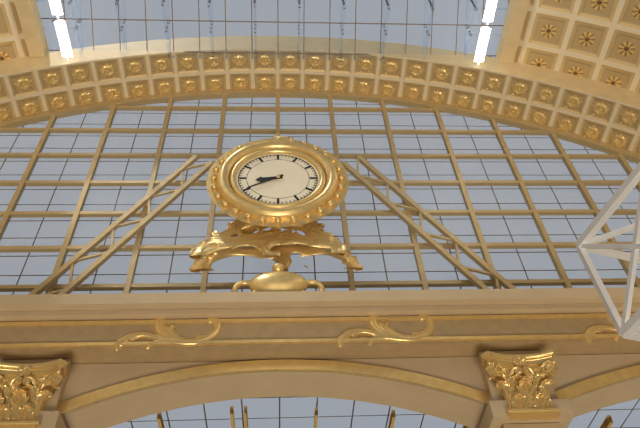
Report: 8:40
